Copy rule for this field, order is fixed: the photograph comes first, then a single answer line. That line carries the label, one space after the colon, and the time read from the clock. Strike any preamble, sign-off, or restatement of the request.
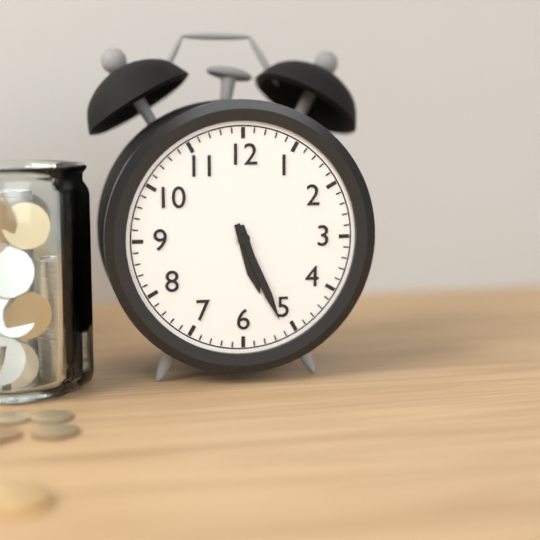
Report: 5:26
